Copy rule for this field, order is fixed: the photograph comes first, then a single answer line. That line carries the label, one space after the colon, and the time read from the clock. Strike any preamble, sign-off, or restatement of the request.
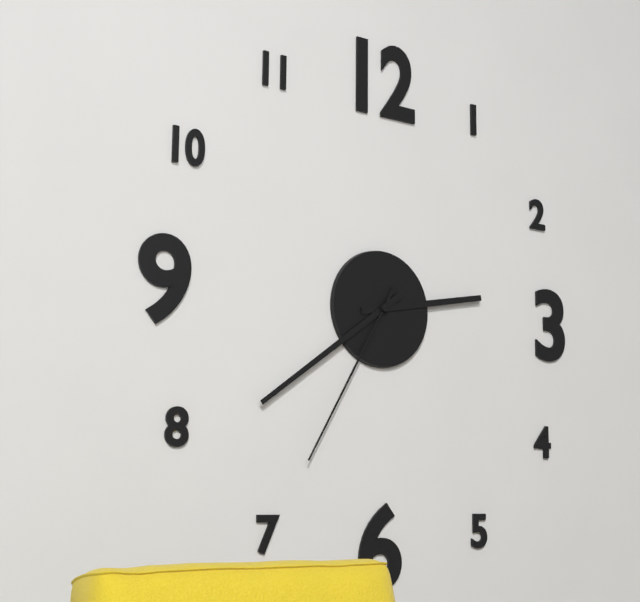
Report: 2:39:35
